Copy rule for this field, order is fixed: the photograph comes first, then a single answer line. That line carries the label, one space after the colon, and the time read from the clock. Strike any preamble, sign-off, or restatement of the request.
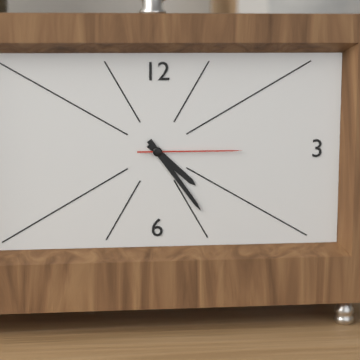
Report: 4:24:15
